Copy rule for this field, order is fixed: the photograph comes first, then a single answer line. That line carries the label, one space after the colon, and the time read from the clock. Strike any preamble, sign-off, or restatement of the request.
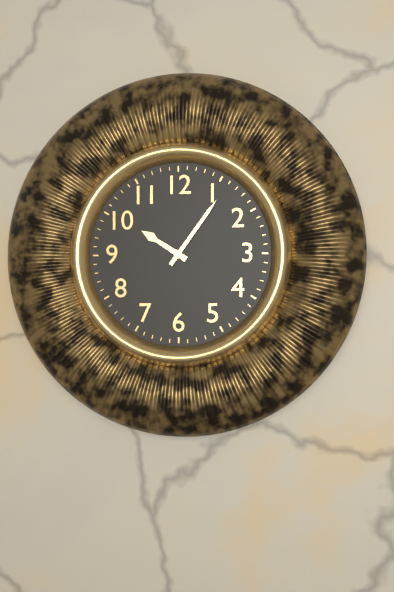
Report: 10:06
